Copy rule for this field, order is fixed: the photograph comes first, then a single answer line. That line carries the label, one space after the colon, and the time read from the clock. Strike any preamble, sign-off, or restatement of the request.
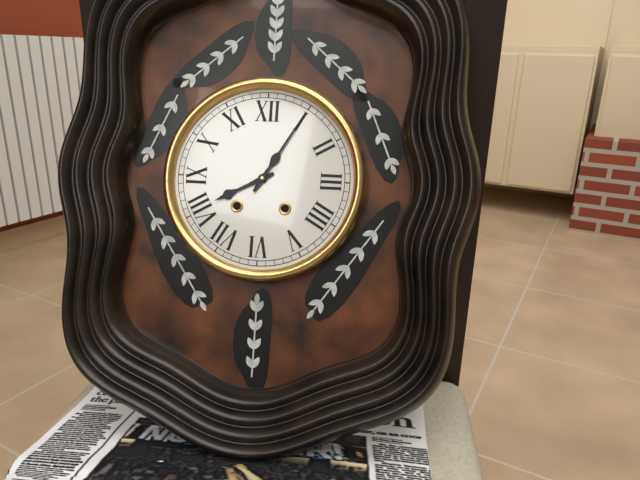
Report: 8:05
